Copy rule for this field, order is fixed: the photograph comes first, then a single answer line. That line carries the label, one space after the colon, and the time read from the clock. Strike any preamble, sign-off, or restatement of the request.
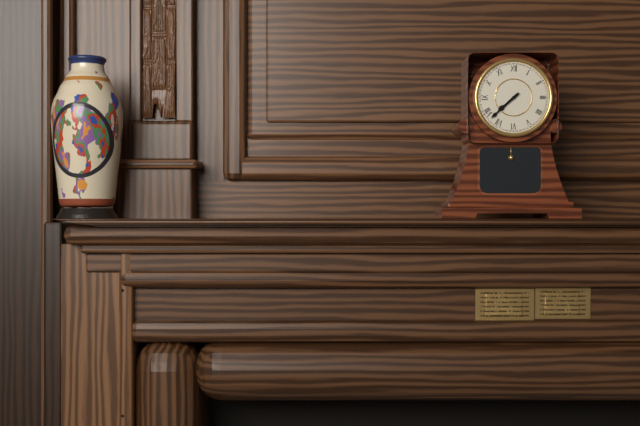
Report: 7:38
